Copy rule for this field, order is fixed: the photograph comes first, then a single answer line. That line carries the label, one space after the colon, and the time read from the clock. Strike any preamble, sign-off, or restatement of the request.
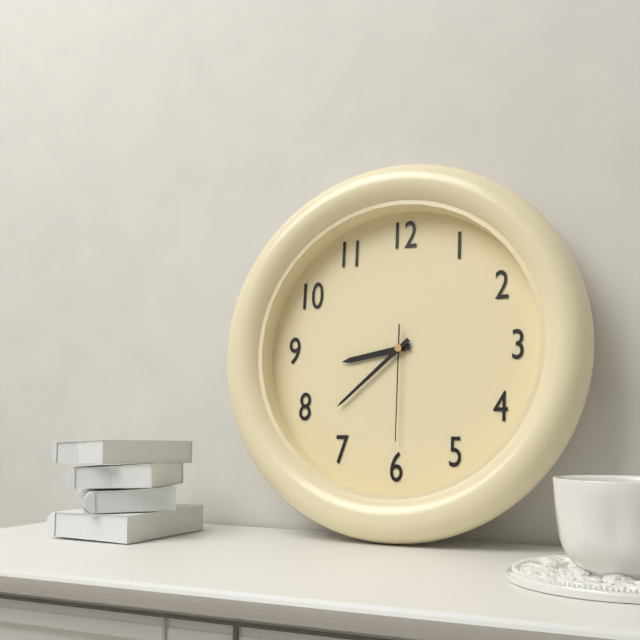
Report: 8:38:30
